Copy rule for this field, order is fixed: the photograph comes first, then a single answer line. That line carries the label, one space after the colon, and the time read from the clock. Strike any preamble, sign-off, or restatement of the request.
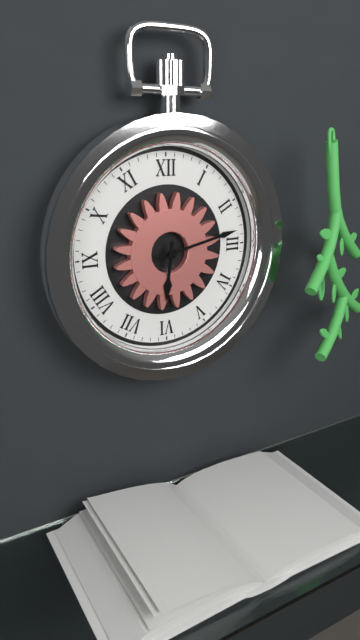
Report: 6:13
